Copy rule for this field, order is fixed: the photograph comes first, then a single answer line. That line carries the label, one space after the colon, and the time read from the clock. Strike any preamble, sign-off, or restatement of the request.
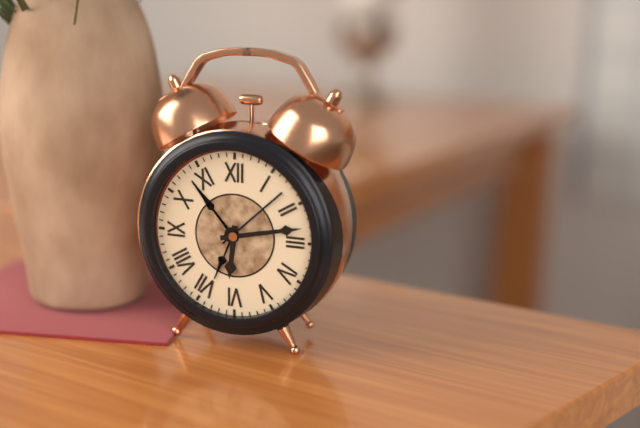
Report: 6:13
